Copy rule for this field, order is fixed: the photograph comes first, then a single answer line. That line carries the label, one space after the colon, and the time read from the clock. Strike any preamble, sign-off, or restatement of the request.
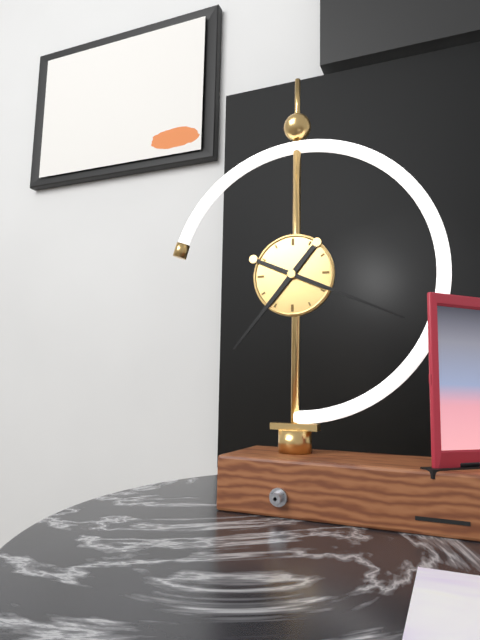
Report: 7:19
